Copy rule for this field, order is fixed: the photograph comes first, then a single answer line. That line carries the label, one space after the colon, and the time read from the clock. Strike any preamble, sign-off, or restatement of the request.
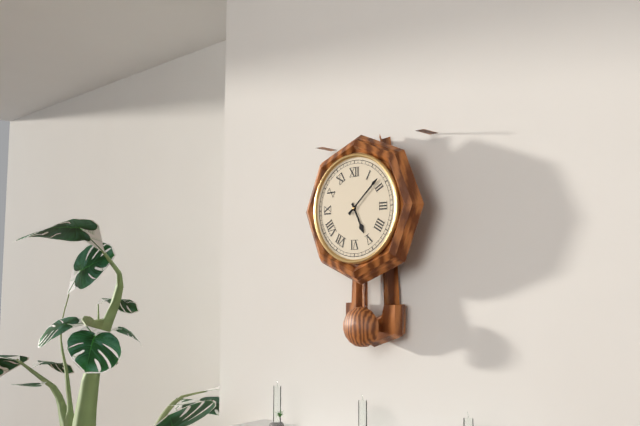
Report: 5:08
